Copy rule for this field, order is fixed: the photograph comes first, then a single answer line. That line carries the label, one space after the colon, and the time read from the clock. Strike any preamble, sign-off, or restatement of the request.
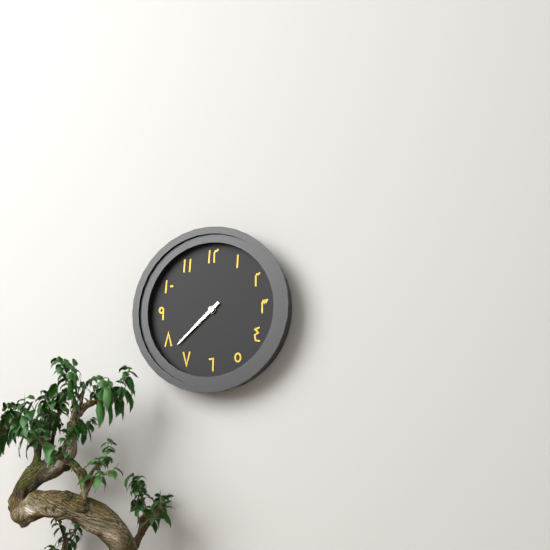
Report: 7:38
